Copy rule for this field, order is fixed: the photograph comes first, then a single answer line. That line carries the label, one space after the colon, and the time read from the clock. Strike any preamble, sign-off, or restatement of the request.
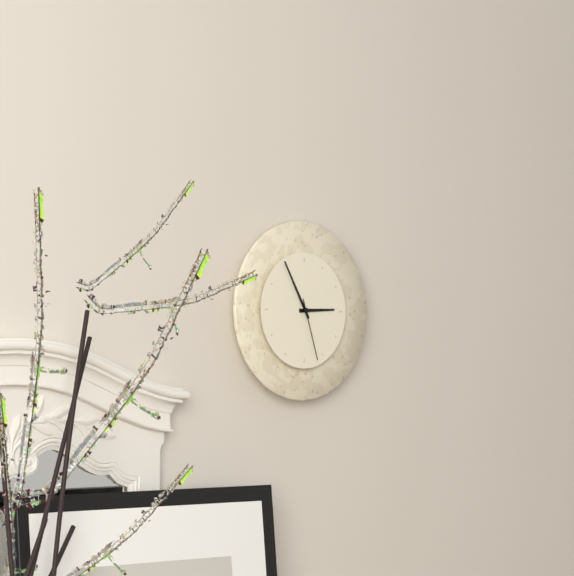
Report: 2:55:27
